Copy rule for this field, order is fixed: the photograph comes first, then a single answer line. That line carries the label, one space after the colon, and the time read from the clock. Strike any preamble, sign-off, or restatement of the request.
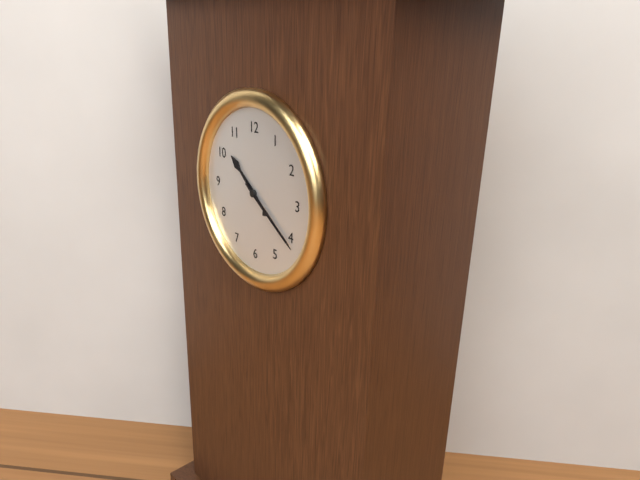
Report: 10:21
